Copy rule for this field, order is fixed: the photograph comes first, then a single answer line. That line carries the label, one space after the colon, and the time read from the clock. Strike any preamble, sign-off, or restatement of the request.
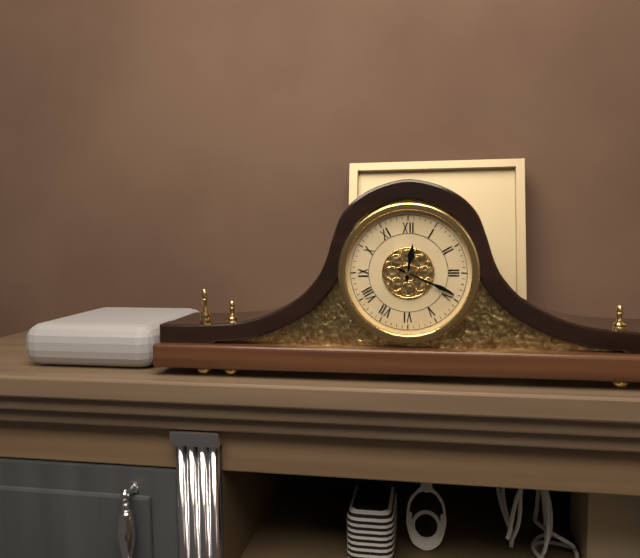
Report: 12:19
